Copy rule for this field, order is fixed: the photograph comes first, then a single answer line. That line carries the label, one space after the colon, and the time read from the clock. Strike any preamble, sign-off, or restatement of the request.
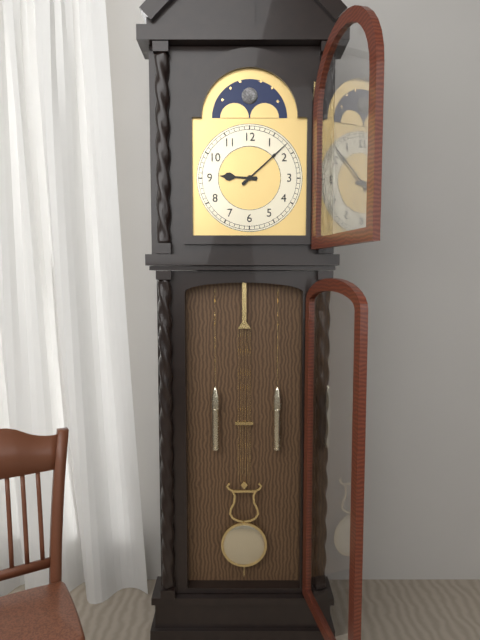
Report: 9:08
